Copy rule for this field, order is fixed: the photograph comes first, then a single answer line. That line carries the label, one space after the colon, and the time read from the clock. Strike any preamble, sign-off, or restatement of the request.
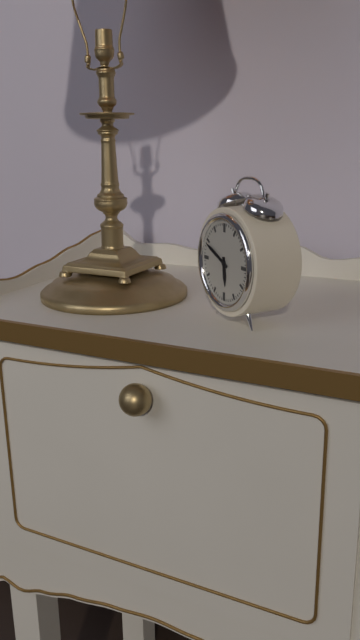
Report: 5:49
